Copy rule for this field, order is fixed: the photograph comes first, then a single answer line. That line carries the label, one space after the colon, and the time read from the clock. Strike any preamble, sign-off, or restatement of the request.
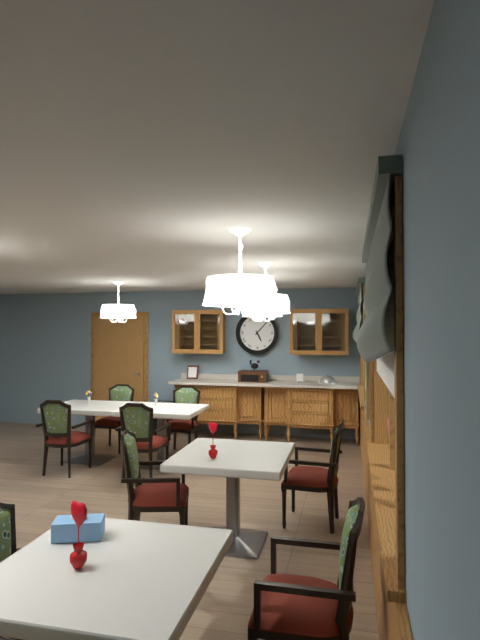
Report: 5:07
